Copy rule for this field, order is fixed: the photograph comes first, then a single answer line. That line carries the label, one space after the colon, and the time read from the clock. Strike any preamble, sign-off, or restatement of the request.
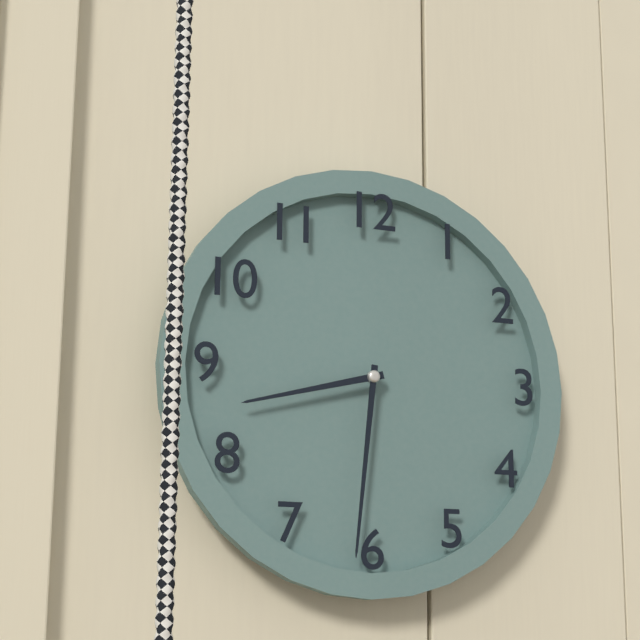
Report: 8:31
